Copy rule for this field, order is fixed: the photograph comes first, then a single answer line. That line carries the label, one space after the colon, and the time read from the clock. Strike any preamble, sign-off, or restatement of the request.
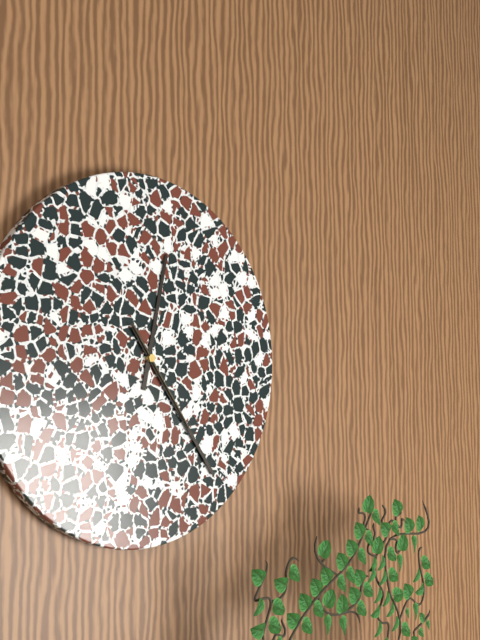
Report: 12:24:24
